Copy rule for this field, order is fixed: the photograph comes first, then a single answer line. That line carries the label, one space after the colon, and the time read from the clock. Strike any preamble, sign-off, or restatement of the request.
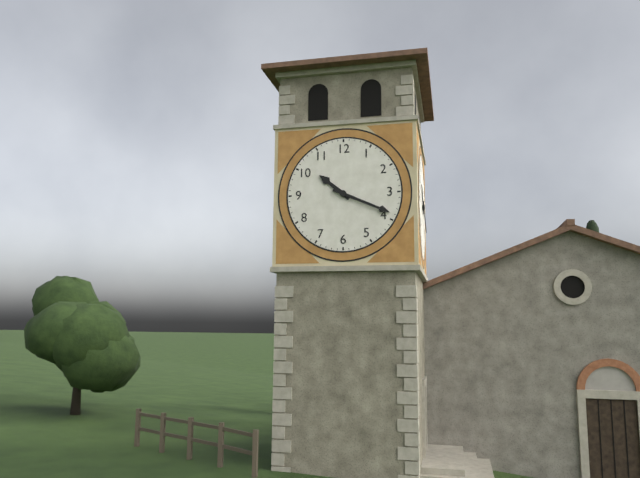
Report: 10:19
